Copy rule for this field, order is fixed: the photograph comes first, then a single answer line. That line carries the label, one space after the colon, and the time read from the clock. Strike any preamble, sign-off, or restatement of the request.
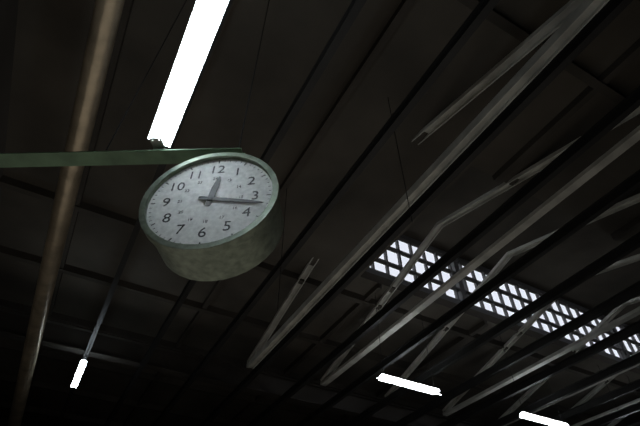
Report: 12:17
